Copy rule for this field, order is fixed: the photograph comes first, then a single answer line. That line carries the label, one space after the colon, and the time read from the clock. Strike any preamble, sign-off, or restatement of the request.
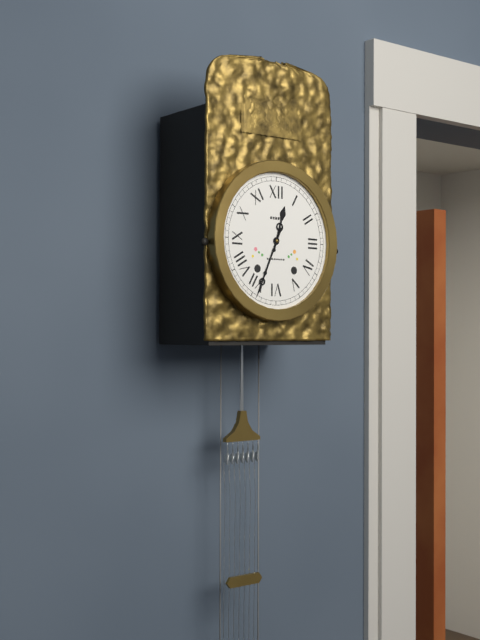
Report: 12:34
